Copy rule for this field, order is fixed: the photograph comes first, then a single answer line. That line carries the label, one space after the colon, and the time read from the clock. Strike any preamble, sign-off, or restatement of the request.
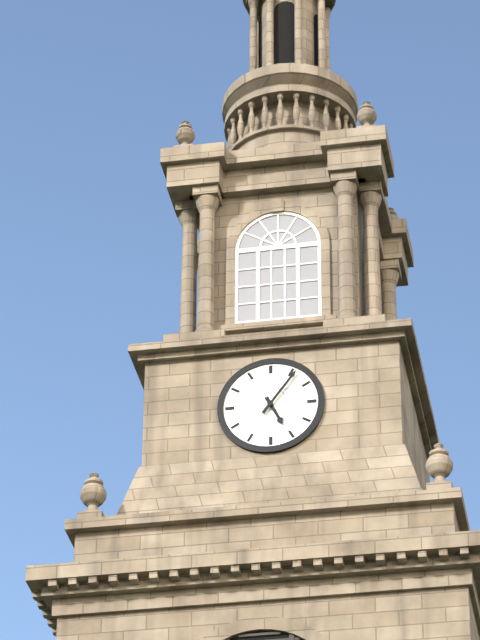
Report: 5:06
